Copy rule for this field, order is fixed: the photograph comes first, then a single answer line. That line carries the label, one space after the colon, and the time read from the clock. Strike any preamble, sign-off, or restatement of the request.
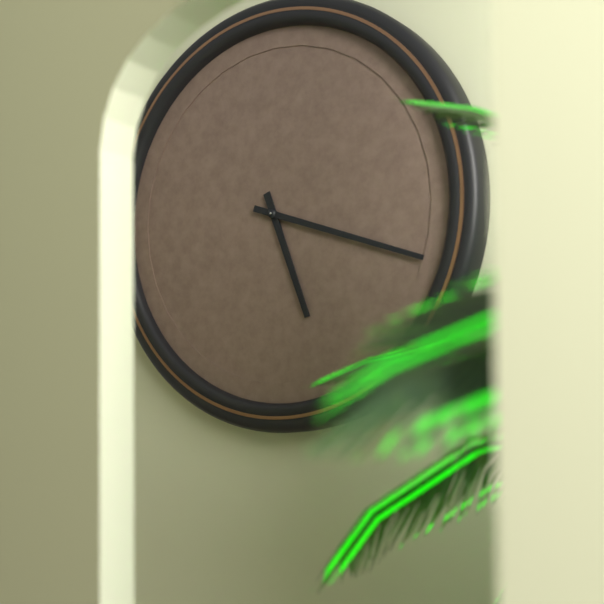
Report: 5:18
